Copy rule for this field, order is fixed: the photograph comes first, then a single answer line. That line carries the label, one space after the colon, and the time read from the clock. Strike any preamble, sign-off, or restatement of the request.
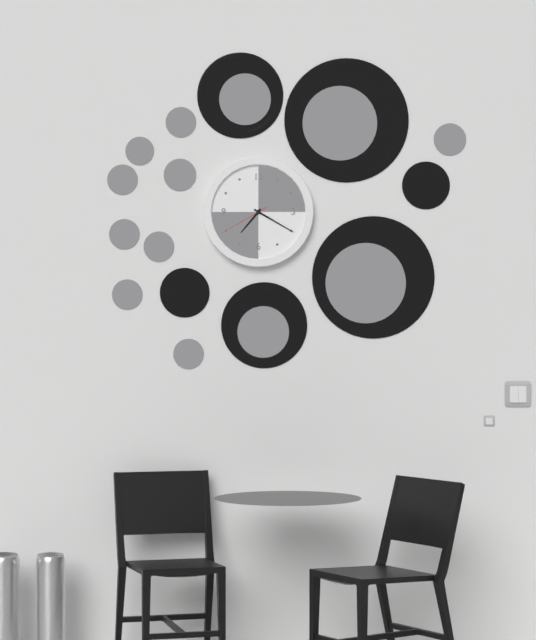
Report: 7:20:40
